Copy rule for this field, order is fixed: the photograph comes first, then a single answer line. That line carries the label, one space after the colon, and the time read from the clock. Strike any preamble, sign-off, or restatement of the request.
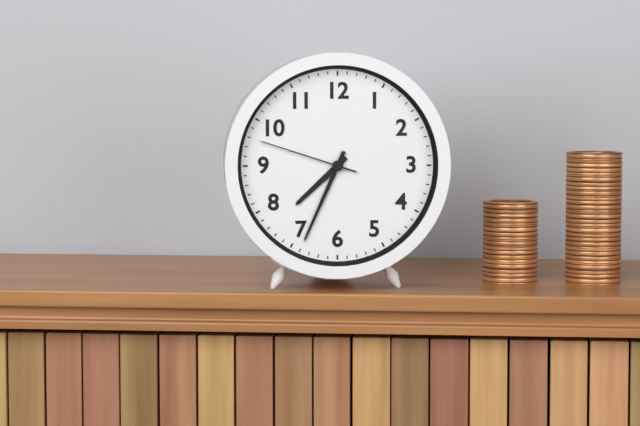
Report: 7:34:48
